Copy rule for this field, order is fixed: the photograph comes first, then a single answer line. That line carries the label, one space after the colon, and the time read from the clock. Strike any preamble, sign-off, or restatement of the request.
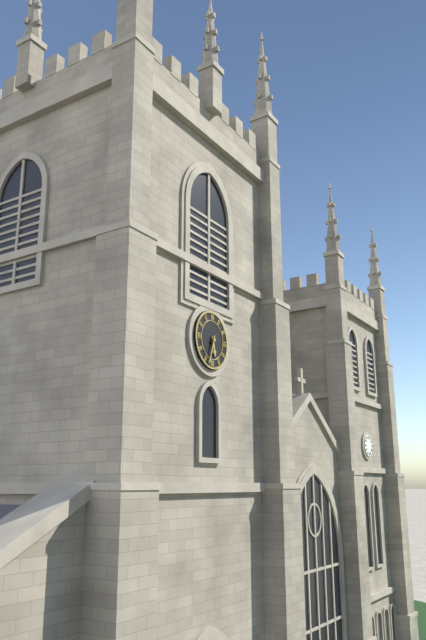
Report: 5:33
